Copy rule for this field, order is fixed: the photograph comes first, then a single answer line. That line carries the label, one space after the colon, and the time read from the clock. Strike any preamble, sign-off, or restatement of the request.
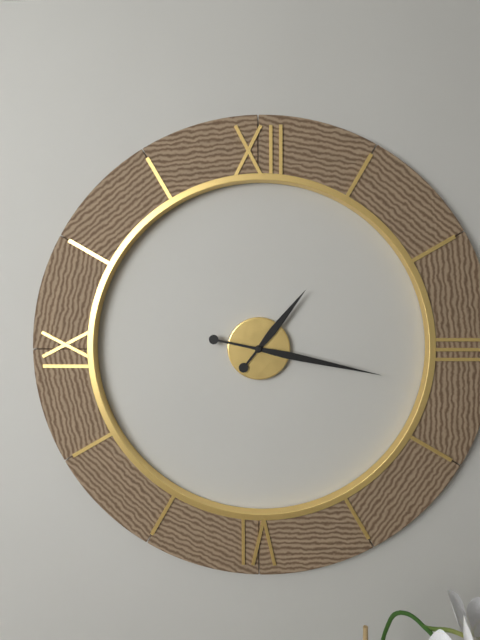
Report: 1:17
